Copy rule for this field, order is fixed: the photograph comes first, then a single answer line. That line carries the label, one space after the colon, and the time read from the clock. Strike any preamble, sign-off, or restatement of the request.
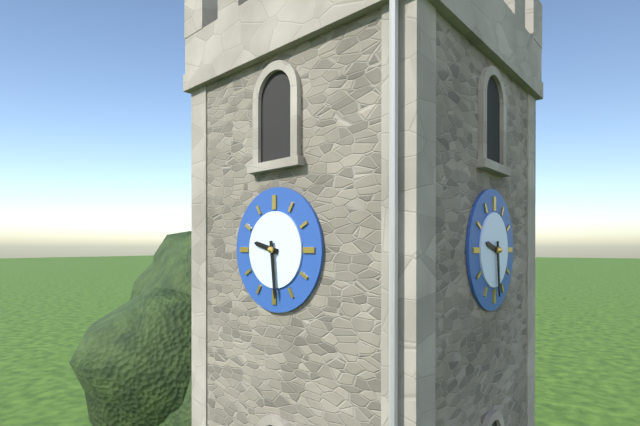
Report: 9:29
